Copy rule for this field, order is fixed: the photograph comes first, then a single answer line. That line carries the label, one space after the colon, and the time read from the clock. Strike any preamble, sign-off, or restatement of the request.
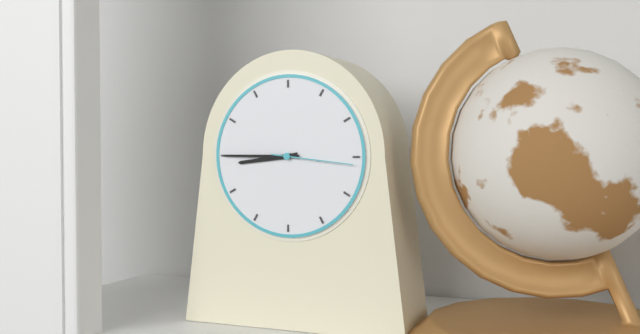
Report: 8:45:16
